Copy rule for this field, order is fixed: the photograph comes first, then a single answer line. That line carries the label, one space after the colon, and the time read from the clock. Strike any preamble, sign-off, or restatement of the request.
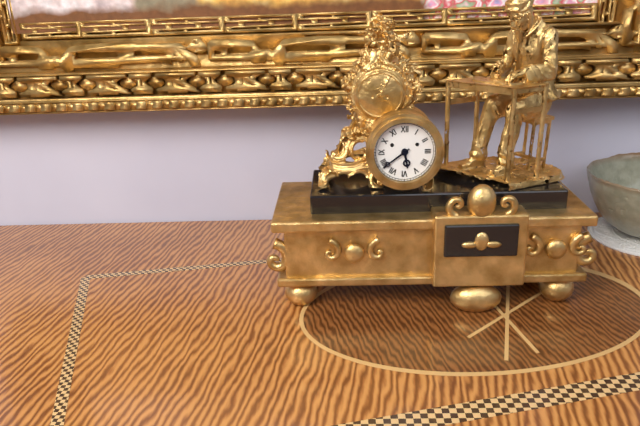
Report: 5:39
